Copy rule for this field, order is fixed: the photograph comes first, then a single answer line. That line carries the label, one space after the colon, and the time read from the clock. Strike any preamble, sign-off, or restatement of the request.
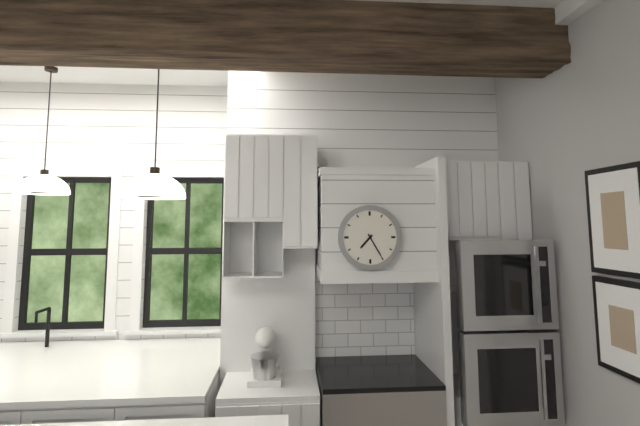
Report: 7:25
